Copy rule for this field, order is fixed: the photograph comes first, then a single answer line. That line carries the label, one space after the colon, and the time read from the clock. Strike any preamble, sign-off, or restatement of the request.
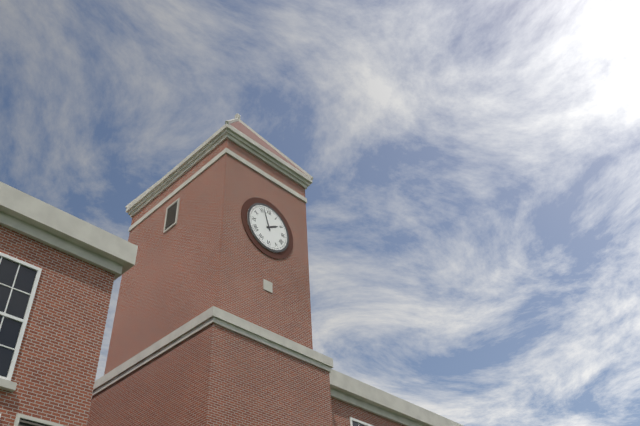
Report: 1:57
